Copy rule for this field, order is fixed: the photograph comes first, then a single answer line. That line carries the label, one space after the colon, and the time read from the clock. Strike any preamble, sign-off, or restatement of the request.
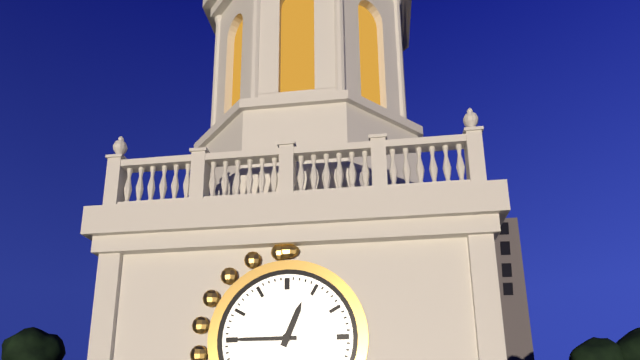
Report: 12:45
